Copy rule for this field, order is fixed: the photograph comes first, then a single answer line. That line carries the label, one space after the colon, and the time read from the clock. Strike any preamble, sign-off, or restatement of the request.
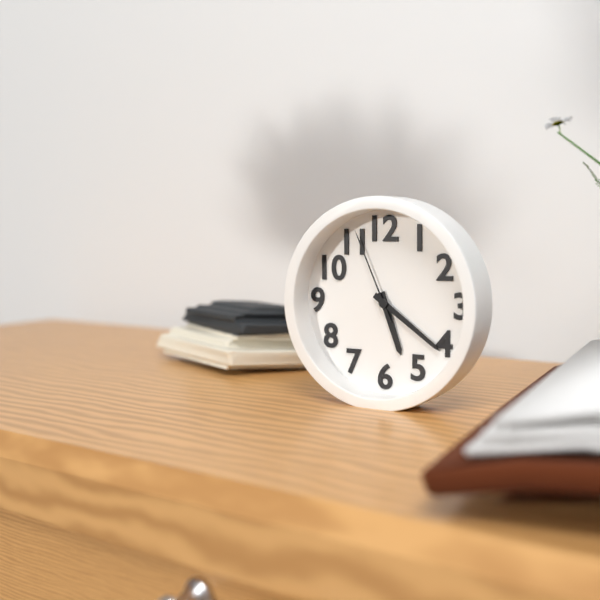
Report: 5:21:56
